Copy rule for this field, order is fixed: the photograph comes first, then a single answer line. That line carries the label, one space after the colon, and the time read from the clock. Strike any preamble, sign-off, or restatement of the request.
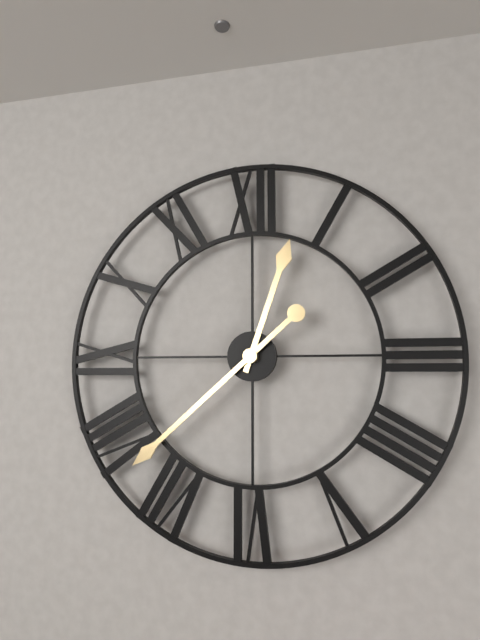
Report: 12:38
